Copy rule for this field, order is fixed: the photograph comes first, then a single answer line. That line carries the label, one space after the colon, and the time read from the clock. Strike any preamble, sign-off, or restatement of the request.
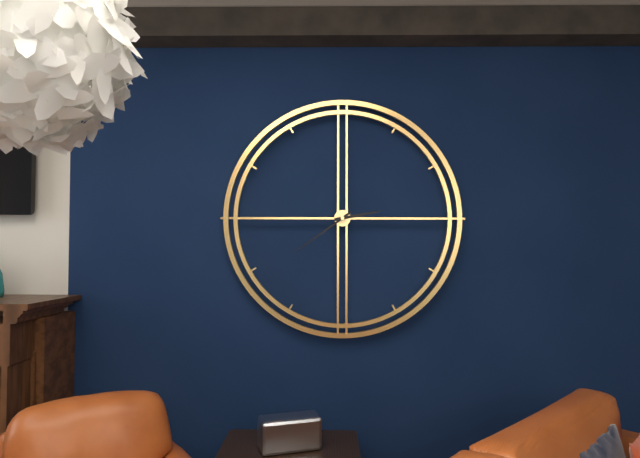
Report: 2:39
